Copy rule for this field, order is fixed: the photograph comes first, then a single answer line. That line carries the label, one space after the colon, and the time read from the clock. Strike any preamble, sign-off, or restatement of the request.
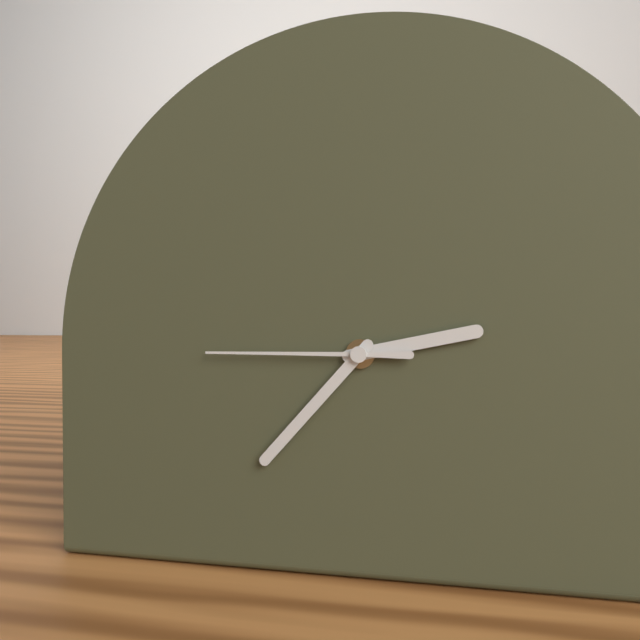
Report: 2:37:45
